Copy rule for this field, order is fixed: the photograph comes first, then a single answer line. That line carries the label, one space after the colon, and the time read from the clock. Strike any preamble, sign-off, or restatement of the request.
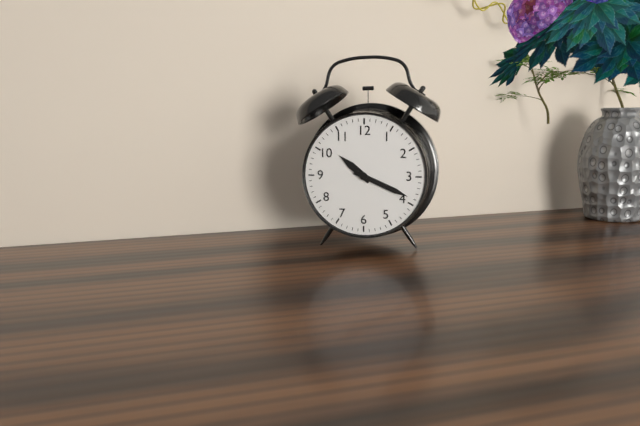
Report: 10:19
